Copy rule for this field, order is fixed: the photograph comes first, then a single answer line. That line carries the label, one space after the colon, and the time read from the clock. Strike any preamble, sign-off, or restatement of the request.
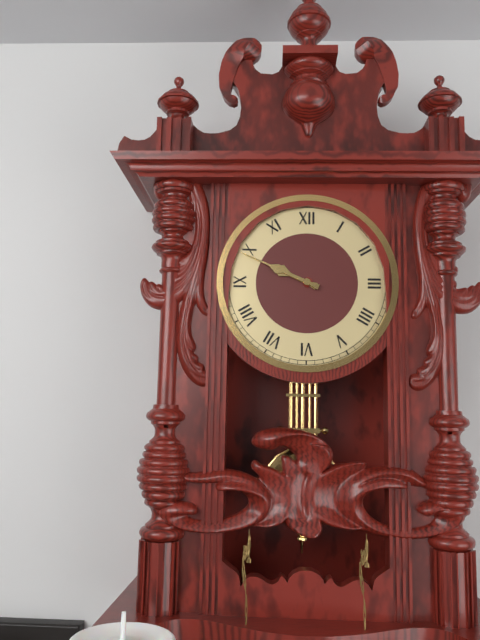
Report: 9:49
